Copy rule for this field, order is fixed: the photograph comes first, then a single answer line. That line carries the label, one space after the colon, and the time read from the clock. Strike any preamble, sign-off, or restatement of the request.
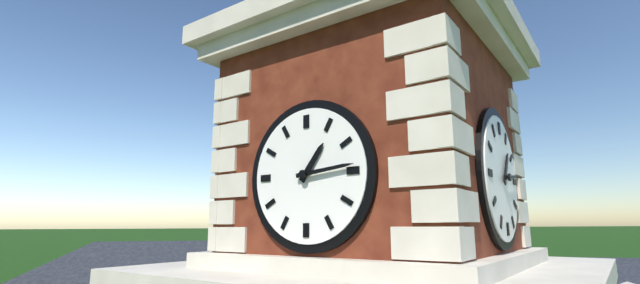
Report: 1:14
